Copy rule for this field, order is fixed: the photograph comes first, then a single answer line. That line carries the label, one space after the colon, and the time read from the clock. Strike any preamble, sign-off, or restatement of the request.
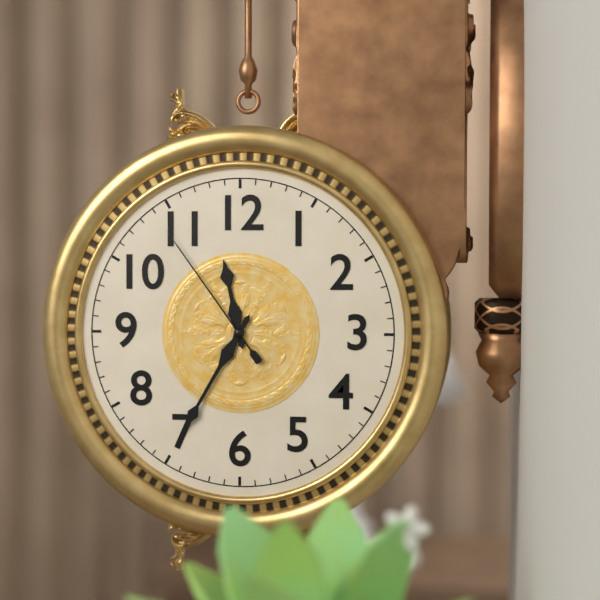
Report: 11:35:54
